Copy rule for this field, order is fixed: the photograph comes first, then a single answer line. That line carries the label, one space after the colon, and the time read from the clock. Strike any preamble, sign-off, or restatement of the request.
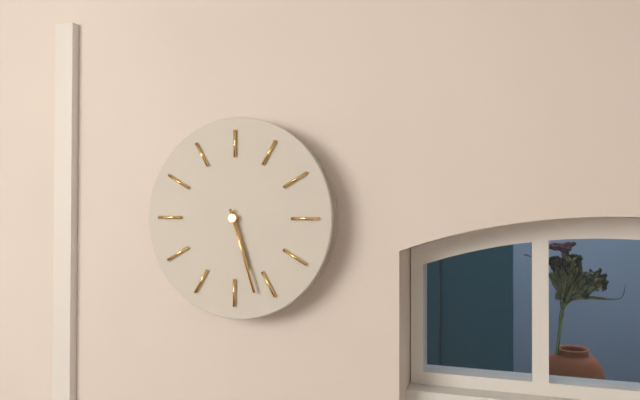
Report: 5:27
